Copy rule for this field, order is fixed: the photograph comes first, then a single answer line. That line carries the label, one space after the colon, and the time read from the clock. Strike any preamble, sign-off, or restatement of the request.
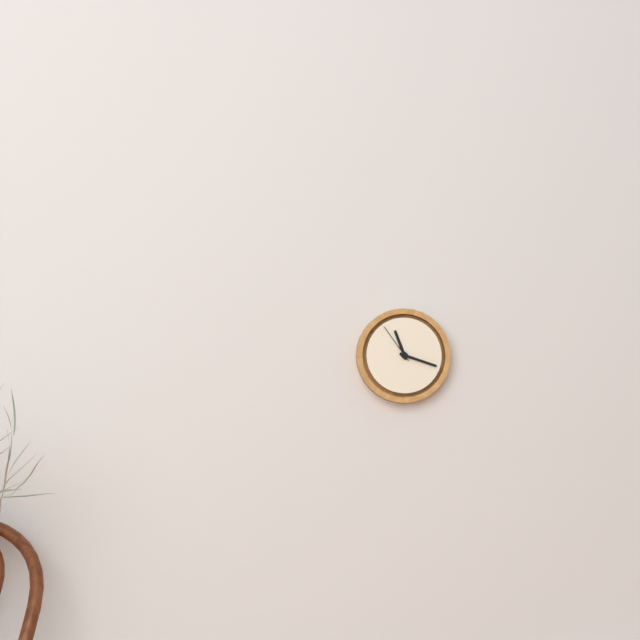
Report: 11:18
